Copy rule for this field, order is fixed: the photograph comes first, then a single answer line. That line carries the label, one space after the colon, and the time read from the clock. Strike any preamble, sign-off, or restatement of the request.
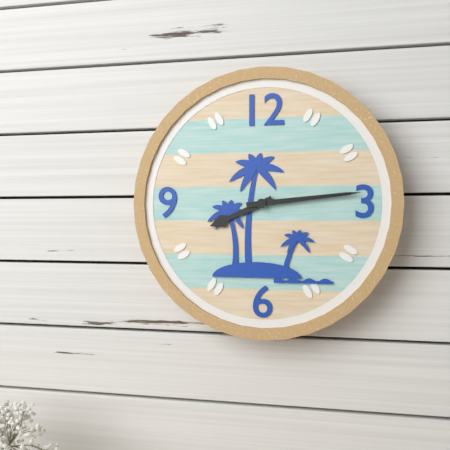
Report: 8:14
